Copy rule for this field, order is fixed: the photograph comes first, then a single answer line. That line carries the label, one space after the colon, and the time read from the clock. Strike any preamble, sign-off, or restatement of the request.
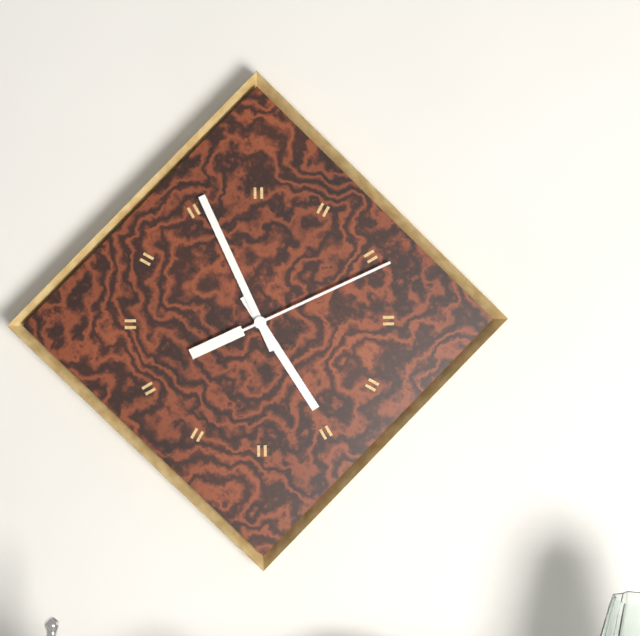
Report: 4:56:11
